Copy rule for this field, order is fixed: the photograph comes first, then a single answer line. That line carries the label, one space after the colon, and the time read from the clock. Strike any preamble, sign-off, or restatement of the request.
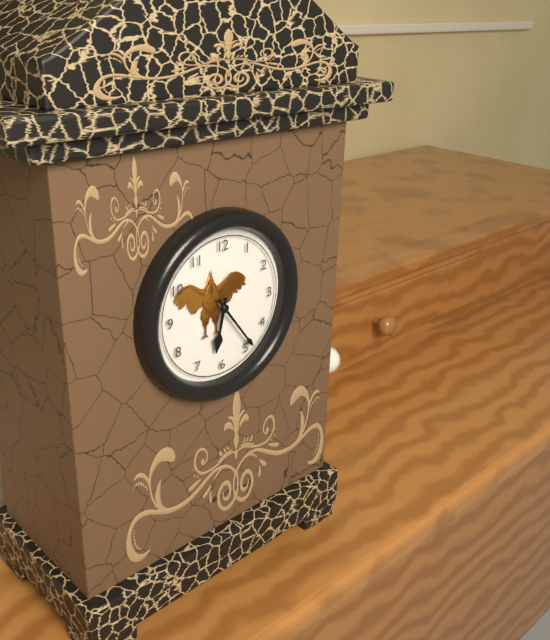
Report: 6:24
